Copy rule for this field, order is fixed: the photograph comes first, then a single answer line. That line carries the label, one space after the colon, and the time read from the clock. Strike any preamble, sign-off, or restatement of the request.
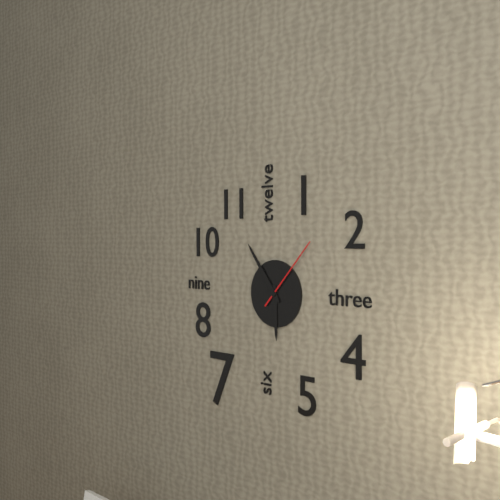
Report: 5:54:07
